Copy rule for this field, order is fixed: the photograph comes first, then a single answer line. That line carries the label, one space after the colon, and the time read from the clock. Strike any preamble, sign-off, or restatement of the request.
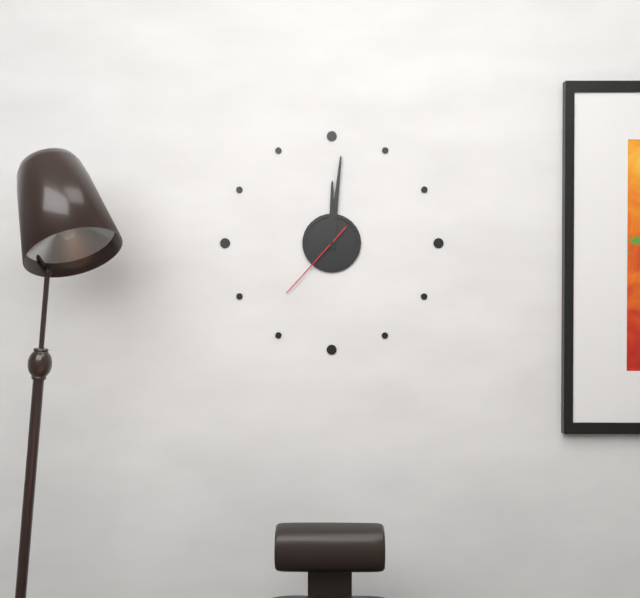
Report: 12:01:37
